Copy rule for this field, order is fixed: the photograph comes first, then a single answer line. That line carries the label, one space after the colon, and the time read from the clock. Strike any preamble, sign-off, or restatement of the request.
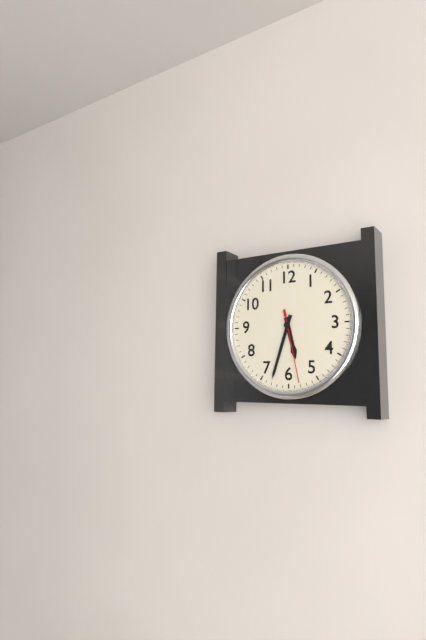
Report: 5:33:28
